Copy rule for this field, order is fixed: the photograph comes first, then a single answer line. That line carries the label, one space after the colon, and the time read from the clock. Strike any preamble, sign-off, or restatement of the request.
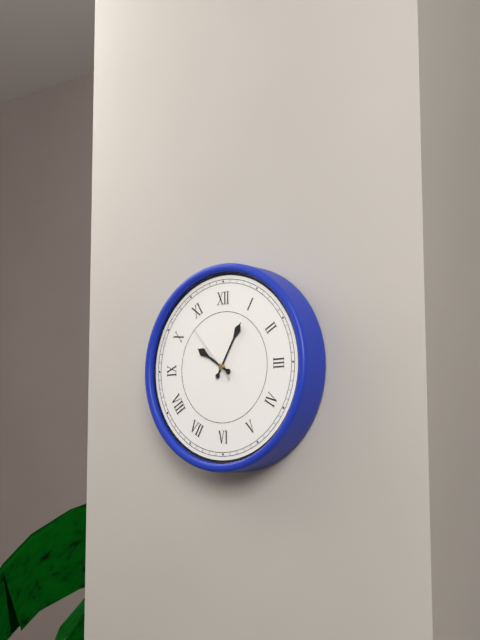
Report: 10:05:53
